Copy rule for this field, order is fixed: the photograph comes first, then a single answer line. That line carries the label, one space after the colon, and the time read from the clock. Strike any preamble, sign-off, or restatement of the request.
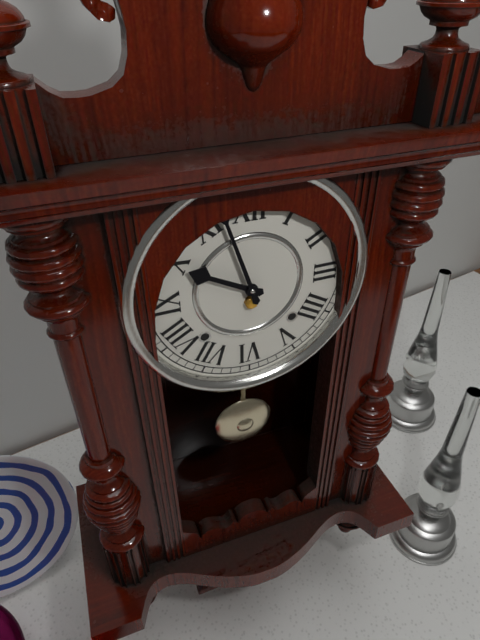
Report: 9:57
